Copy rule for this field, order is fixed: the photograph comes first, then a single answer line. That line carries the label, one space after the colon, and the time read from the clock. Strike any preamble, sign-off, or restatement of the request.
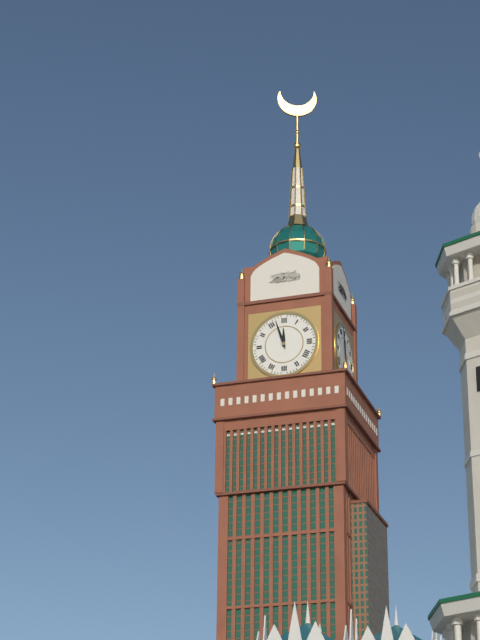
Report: 11:57
